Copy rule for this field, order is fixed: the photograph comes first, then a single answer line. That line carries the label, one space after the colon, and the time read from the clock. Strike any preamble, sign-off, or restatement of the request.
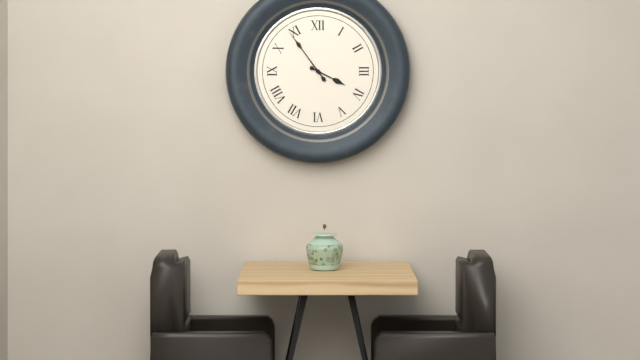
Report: 3:54
